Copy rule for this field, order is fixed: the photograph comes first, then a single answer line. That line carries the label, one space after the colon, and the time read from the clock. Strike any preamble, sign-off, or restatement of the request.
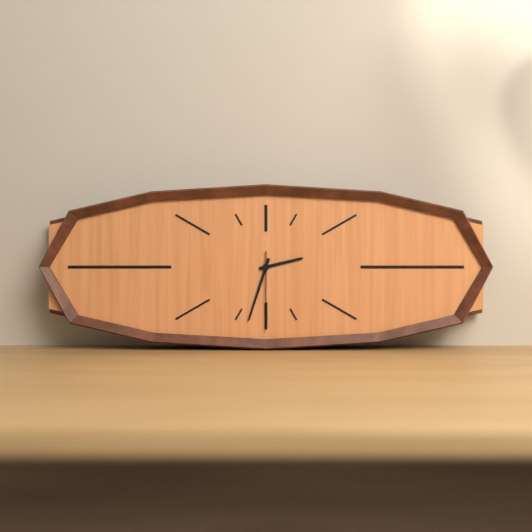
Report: 2:33:30
